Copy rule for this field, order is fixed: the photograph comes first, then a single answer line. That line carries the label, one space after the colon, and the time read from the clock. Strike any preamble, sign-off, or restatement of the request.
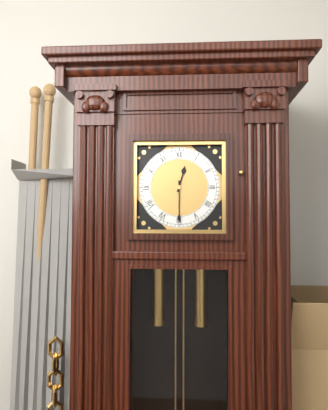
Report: 12:30
